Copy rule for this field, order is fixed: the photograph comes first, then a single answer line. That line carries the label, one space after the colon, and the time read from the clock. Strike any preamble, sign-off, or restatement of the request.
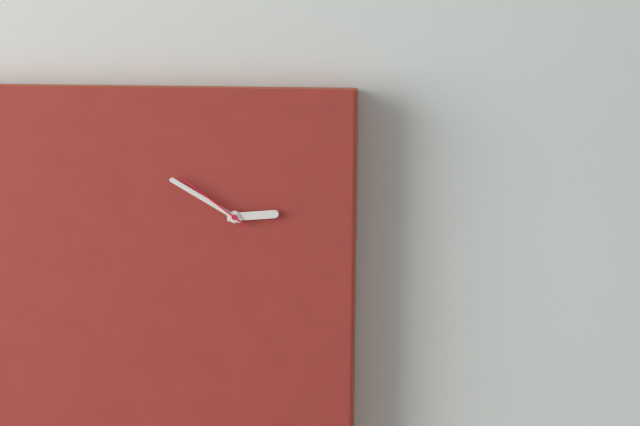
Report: 2:50:51
